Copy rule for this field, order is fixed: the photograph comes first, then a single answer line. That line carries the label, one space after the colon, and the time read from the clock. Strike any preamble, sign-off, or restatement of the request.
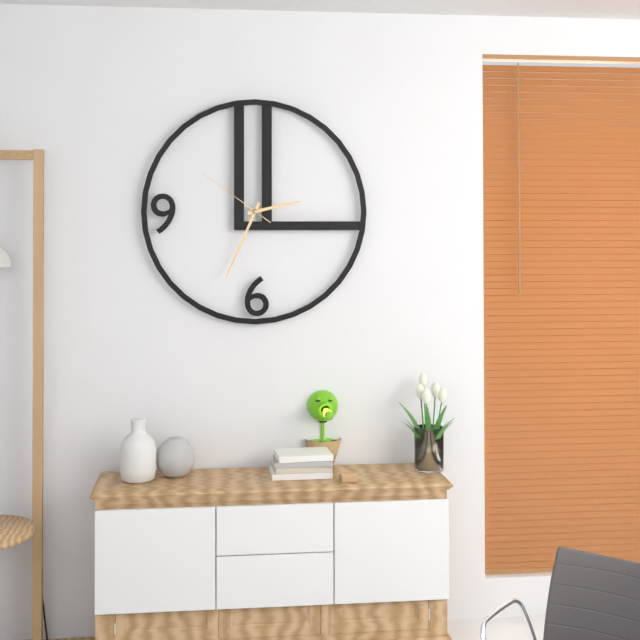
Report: 2:34:51
